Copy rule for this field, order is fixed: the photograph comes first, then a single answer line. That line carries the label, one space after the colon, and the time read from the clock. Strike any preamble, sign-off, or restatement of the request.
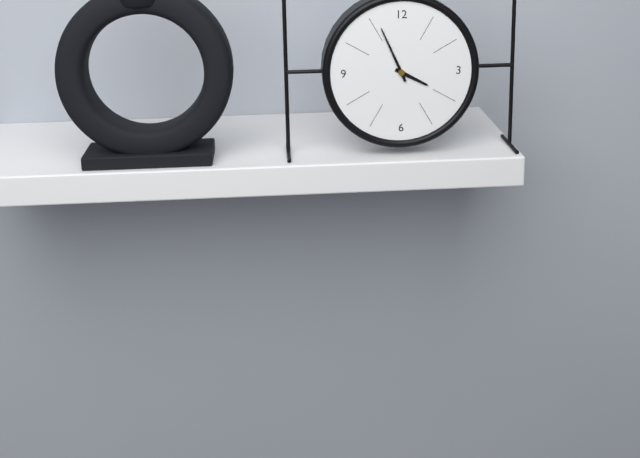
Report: 3:56
